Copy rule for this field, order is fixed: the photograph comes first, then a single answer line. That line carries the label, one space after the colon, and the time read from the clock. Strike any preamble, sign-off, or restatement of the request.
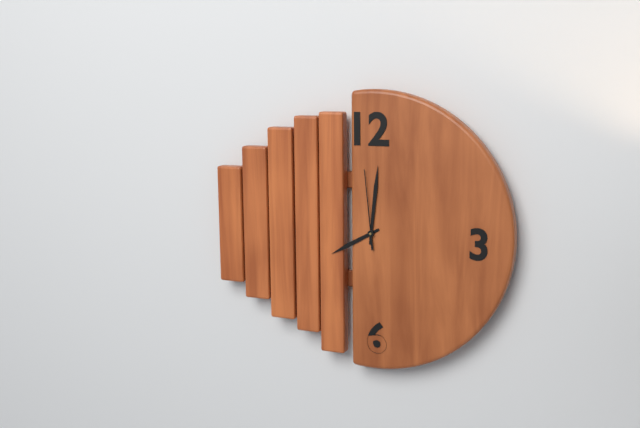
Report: 8:01:59
